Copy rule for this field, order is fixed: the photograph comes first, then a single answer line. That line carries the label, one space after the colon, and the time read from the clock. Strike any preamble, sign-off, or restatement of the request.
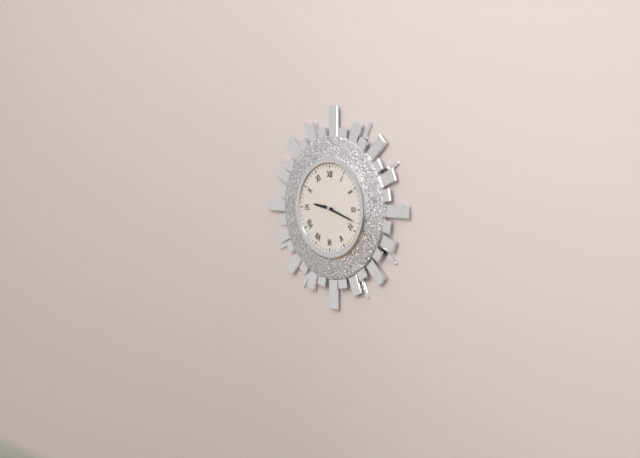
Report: 9:18
